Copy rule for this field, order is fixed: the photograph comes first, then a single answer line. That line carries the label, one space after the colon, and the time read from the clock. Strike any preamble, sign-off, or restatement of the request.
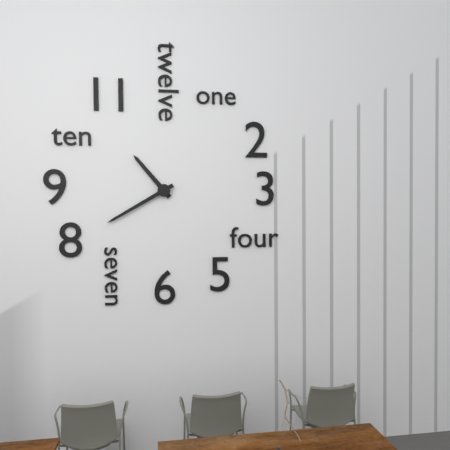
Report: 10:40
